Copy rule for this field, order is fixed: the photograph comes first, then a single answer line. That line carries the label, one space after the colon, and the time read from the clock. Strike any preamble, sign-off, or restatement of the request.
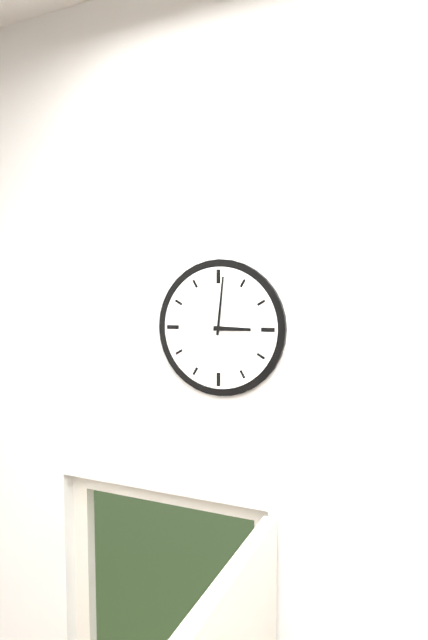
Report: 3:01
